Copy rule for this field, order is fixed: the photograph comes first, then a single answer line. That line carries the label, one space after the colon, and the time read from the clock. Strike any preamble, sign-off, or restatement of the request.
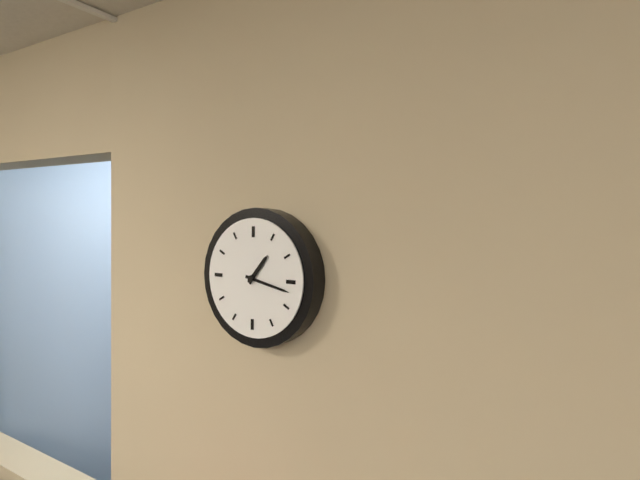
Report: 1:17
